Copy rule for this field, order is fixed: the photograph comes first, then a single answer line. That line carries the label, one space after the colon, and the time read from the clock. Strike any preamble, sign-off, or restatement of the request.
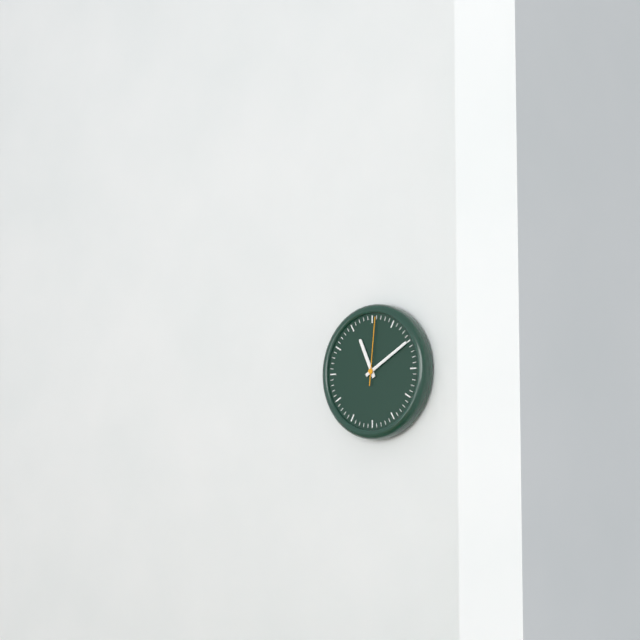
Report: 11:10:01
